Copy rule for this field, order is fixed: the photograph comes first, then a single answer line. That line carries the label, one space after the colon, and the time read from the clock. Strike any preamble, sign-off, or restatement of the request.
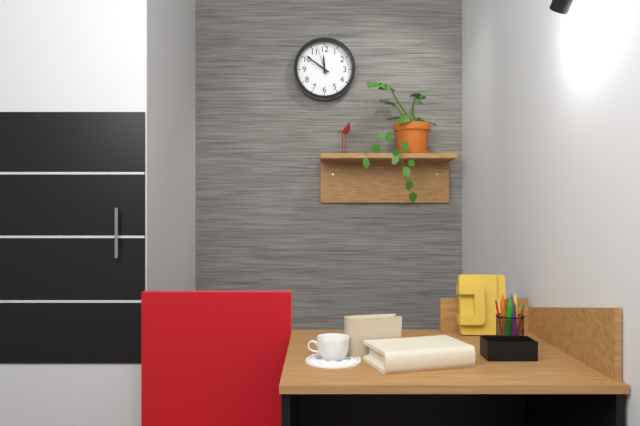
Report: 11:51
